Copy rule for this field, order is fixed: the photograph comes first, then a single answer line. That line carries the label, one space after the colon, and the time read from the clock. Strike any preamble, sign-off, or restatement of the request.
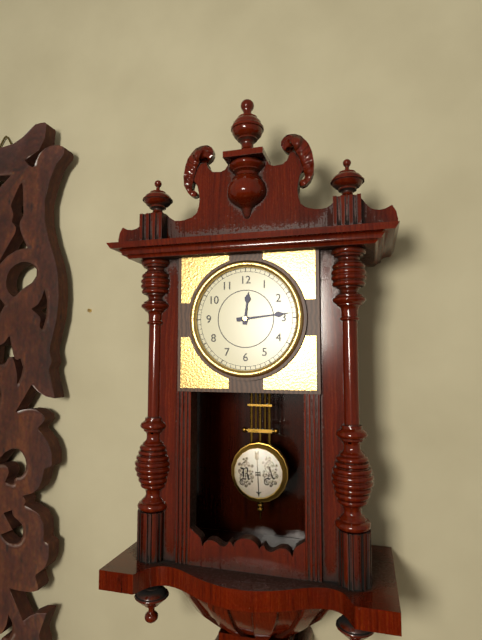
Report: 12:14
